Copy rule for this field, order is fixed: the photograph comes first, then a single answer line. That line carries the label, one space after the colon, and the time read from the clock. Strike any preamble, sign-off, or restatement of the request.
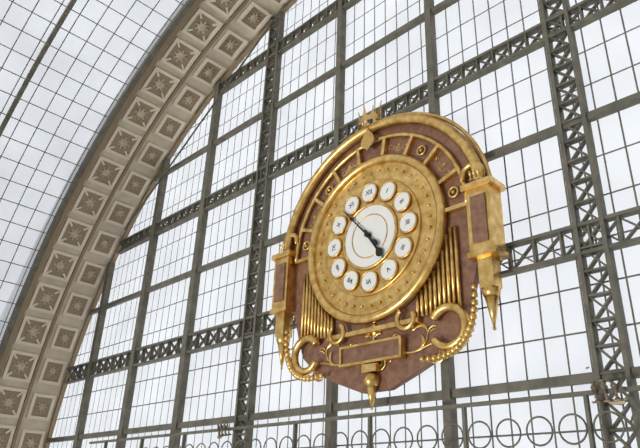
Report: 4:53
